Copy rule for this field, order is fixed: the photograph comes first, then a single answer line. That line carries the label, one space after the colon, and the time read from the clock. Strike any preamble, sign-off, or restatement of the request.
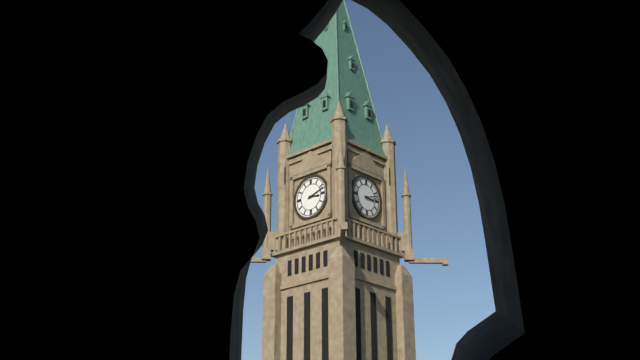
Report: 3:12
